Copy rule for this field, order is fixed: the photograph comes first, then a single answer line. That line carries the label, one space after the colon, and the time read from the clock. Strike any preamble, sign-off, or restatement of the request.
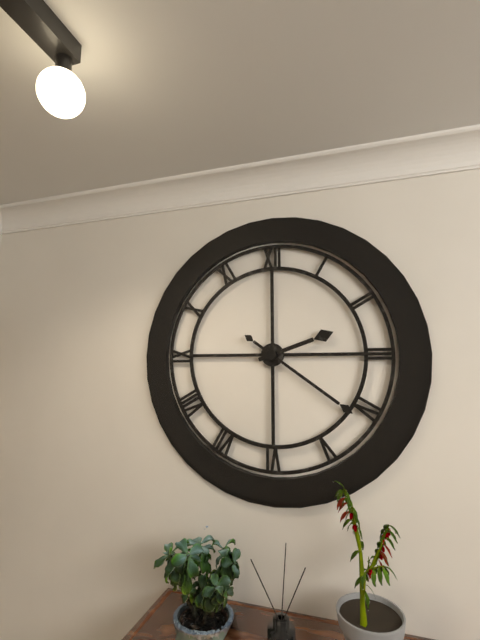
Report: 2:21
